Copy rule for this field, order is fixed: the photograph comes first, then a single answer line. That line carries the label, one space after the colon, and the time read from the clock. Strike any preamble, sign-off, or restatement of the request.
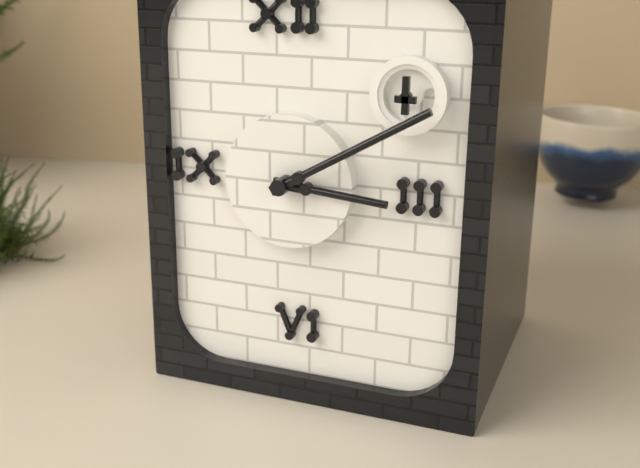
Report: 3:10
